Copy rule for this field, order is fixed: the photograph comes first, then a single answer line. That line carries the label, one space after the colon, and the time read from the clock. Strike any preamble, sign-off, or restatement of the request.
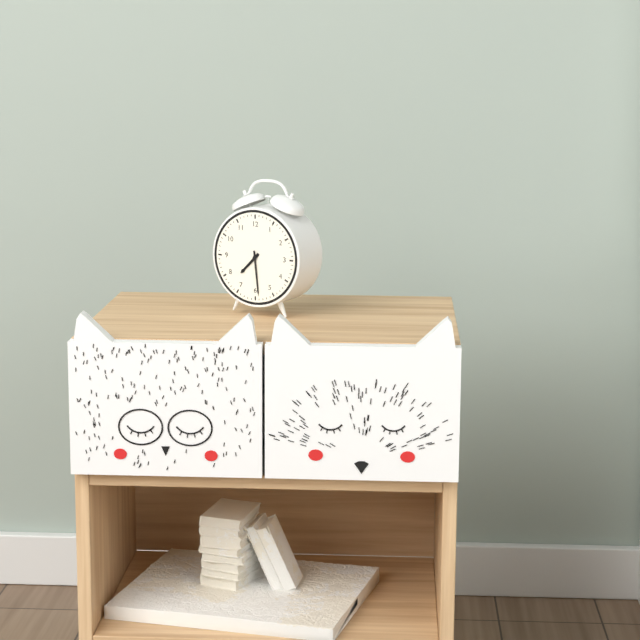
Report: 7:29
